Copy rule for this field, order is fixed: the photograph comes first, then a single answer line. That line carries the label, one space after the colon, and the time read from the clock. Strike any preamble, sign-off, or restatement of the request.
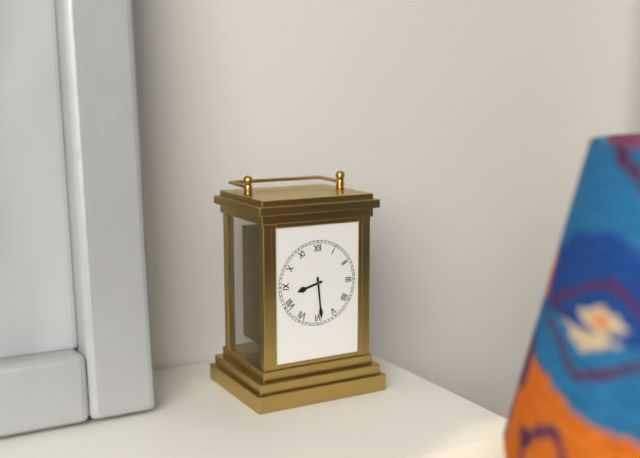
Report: 8:29
